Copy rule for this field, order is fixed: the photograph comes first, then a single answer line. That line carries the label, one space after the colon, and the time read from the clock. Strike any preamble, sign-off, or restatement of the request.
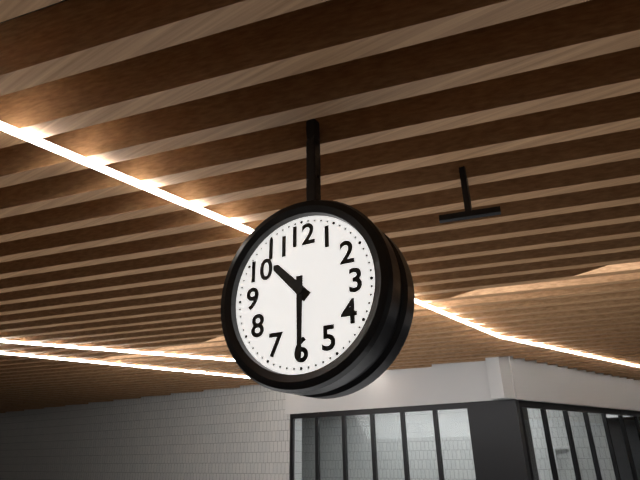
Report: 10:30
